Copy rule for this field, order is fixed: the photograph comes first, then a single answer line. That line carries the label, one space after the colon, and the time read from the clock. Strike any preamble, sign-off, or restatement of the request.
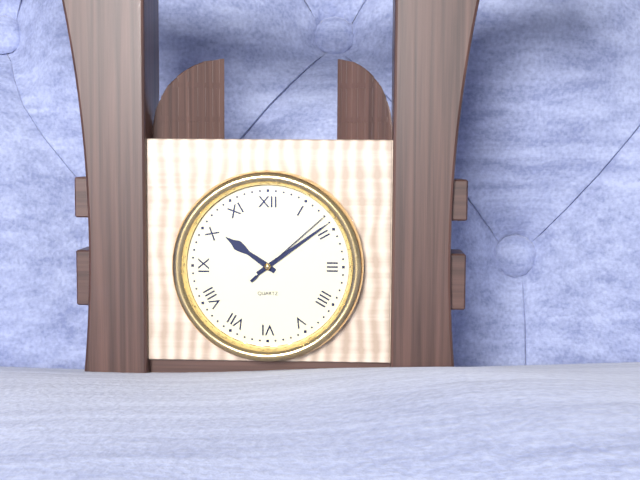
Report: 10:09:08
